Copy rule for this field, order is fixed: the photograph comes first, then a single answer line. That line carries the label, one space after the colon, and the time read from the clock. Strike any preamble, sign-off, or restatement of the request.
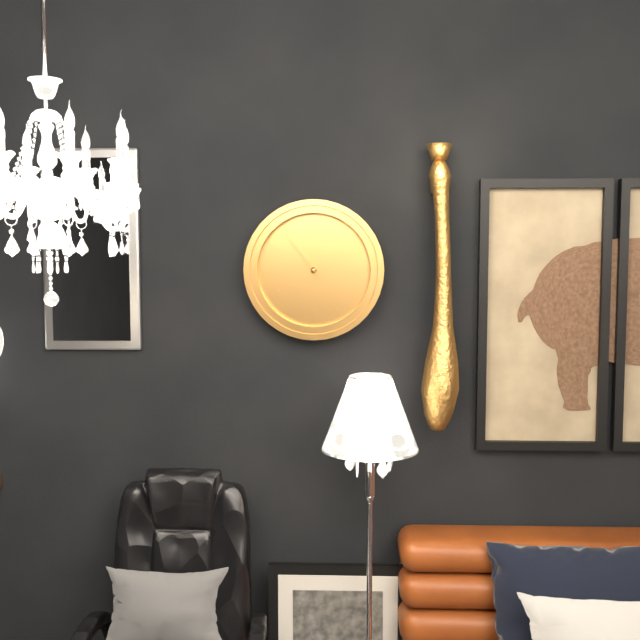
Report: 10:54
